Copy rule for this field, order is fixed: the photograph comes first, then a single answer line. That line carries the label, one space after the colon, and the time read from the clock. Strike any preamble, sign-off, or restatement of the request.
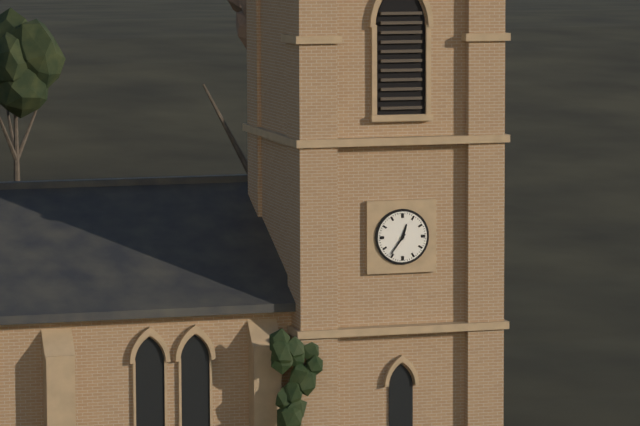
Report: 12:36
